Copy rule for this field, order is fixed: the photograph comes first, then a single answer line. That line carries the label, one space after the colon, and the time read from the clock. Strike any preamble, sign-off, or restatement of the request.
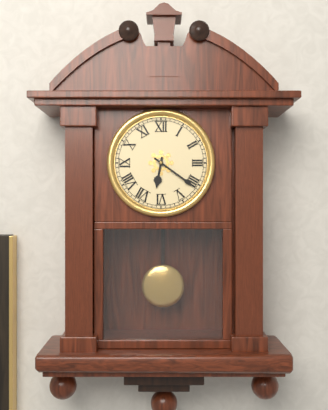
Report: 6:21
